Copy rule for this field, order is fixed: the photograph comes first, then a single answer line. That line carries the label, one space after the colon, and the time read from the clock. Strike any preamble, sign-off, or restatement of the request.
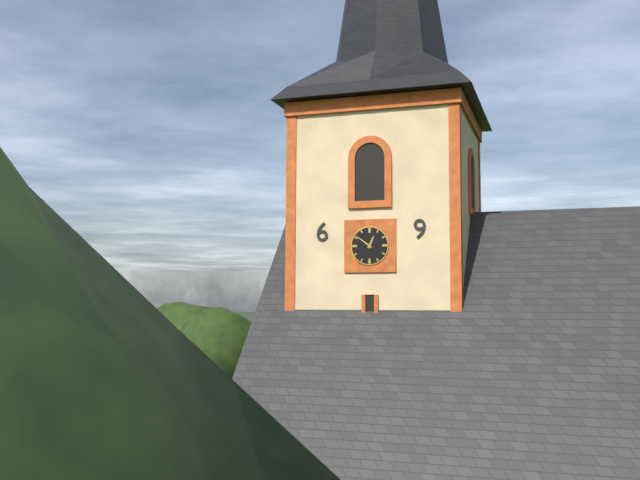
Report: 12:51
